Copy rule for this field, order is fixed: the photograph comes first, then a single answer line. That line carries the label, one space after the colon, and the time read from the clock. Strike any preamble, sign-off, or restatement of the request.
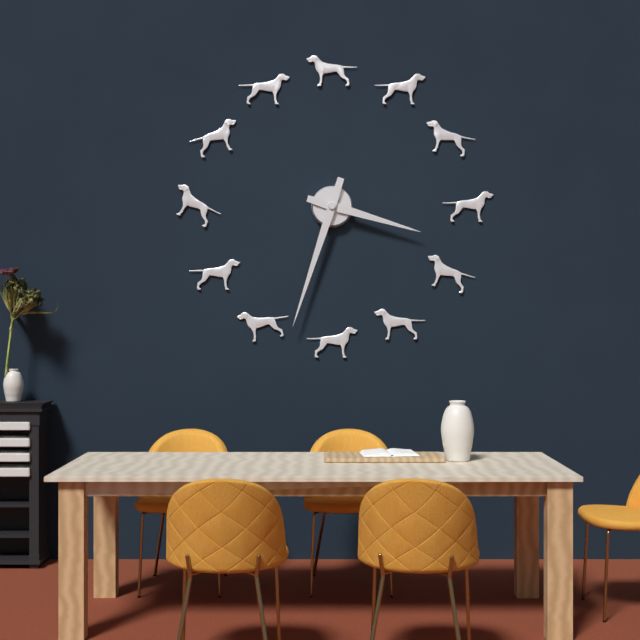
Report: 3:33
